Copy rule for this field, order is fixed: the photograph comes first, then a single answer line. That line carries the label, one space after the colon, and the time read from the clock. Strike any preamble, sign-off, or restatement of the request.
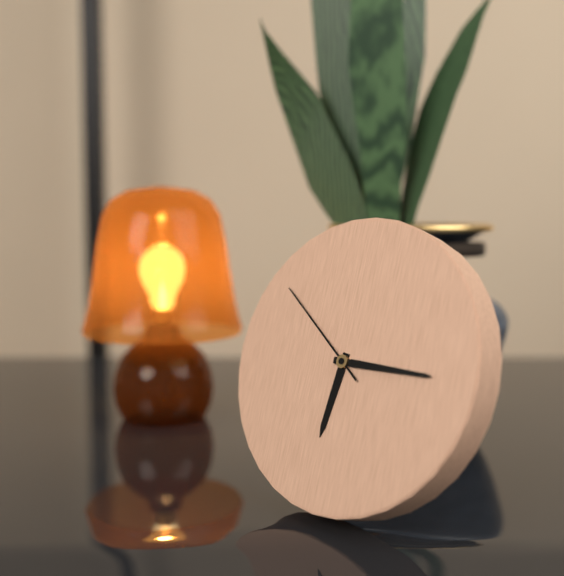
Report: 6:15:51
